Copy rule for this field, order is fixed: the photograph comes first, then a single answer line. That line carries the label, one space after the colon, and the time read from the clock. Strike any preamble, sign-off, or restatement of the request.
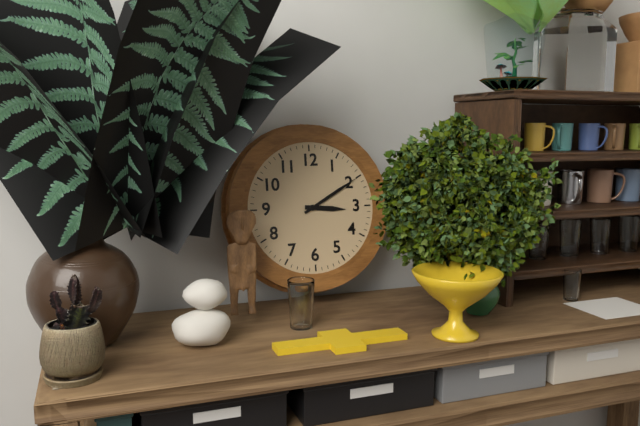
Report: 3:10
